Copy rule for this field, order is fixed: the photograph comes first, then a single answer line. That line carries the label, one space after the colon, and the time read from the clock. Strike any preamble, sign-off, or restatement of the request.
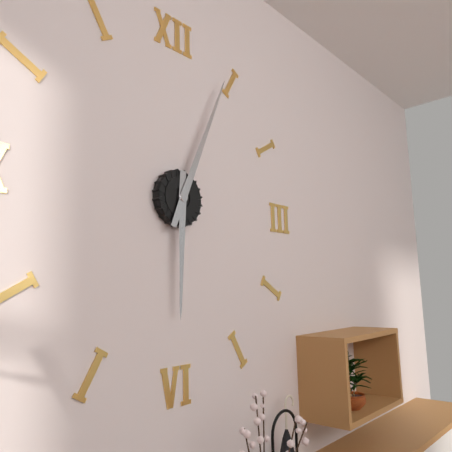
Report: 6:04
